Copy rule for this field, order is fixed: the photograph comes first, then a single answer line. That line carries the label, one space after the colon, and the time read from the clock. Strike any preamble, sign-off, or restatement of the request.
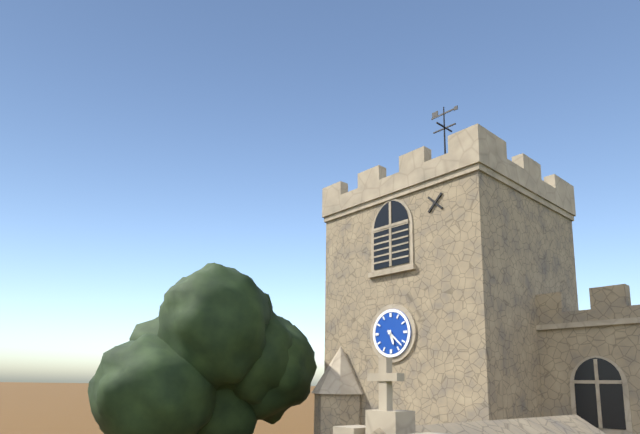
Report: 5:22
